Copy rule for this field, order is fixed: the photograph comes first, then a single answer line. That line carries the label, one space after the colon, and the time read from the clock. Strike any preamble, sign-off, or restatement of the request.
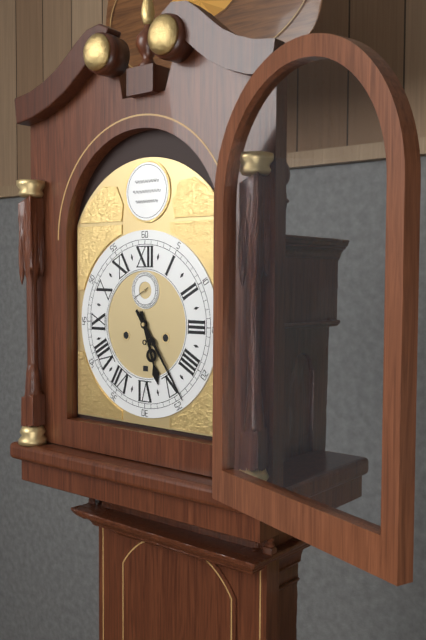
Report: 5:24
